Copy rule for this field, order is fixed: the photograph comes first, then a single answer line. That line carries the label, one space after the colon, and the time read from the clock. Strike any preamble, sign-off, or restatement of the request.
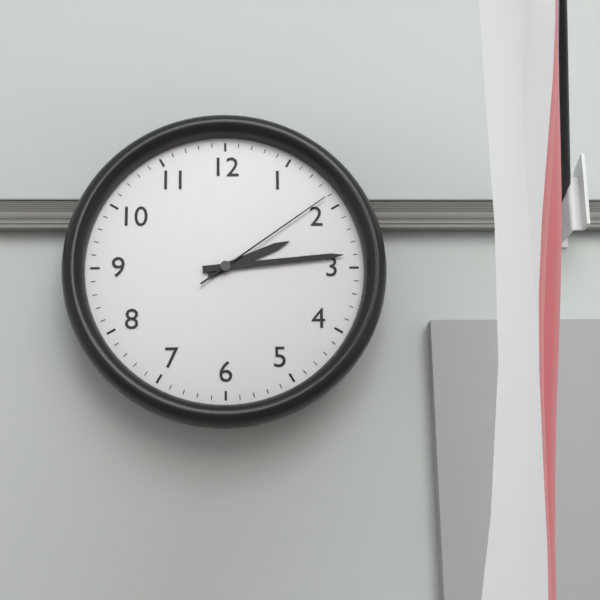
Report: 2:14:09
